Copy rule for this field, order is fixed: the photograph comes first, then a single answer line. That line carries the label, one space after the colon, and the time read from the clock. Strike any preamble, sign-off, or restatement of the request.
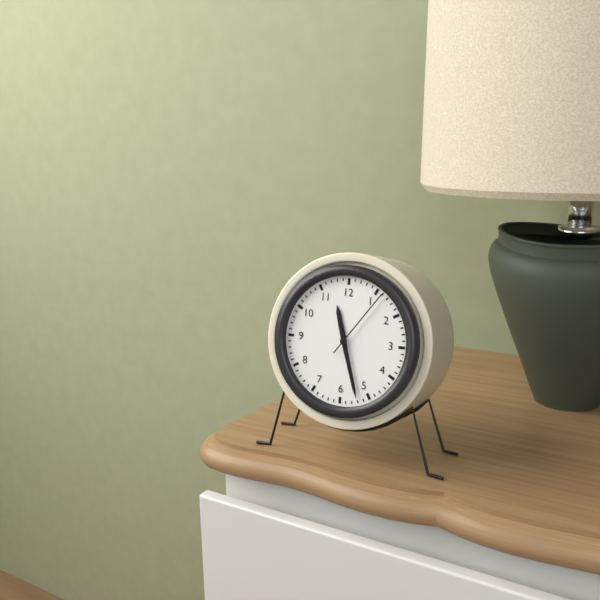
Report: 11:27:06
